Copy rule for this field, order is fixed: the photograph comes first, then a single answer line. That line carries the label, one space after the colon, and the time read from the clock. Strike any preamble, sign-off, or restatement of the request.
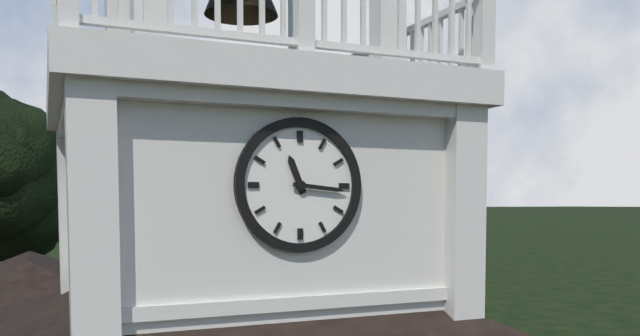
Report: 11:16
